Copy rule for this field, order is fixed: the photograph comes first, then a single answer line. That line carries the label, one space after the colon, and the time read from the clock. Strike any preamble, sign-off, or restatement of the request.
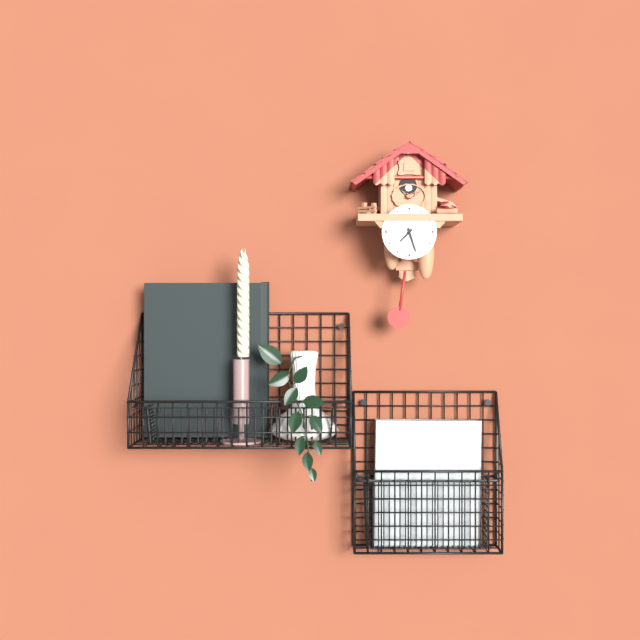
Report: 7:27
